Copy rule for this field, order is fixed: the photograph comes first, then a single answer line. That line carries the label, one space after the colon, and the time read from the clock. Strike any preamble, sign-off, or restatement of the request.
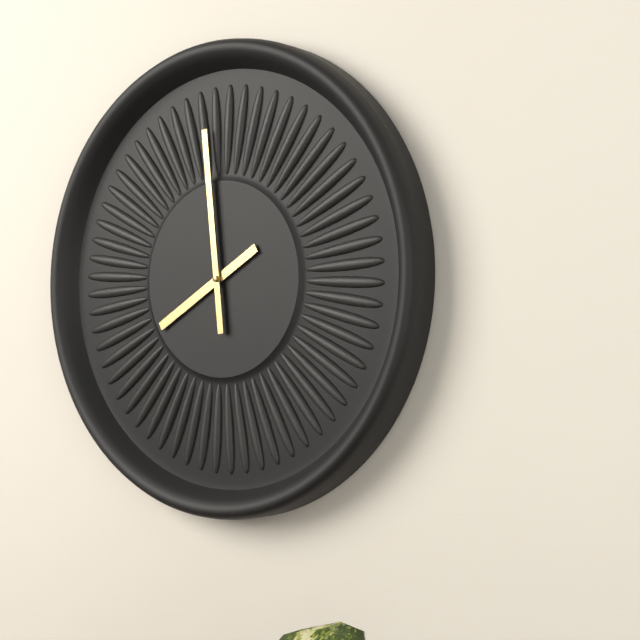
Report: 7:59
